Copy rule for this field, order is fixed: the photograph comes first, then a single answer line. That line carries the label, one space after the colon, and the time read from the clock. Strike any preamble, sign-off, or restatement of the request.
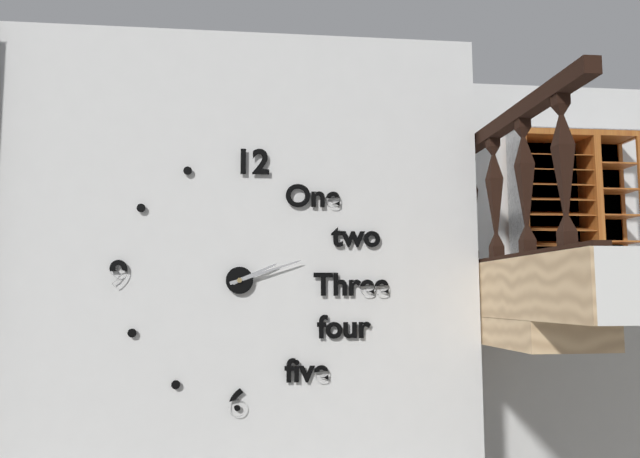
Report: 2:12
